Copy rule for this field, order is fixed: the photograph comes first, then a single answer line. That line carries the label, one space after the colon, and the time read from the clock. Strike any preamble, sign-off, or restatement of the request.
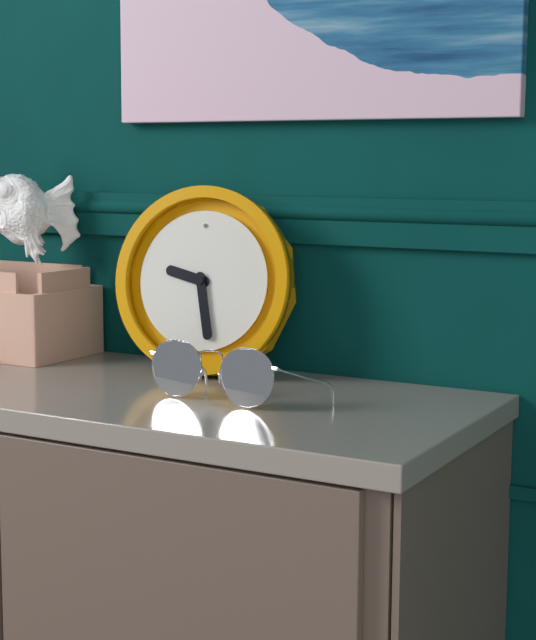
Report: 9:28
